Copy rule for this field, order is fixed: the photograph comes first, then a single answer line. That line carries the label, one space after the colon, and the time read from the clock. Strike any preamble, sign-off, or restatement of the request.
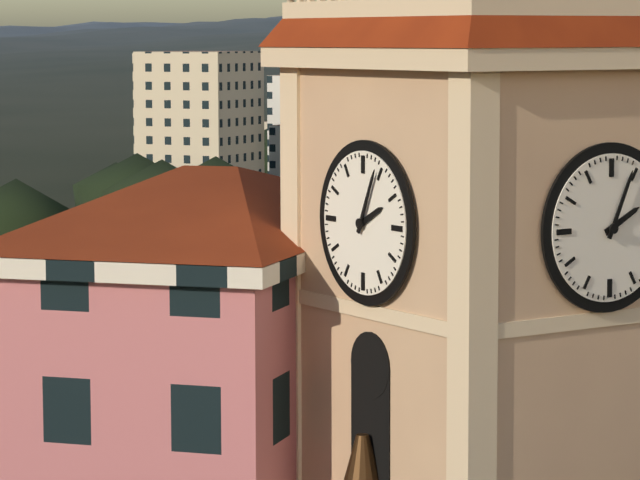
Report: 2:04
